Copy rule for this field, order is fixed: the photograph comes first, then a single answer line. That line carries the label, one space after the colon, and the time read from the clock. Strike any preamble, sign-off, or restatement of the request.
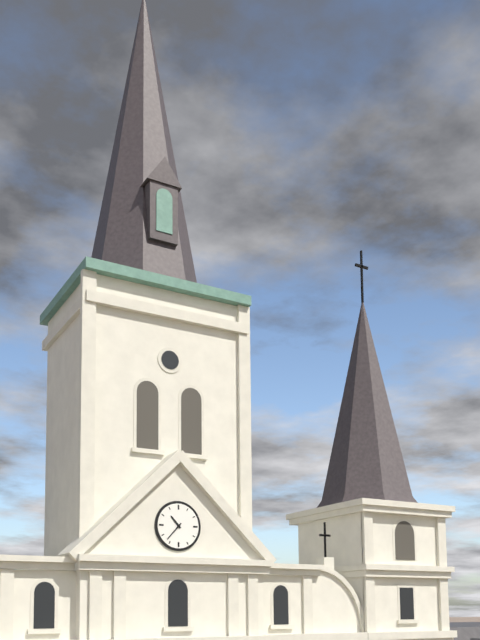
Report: 10:37
